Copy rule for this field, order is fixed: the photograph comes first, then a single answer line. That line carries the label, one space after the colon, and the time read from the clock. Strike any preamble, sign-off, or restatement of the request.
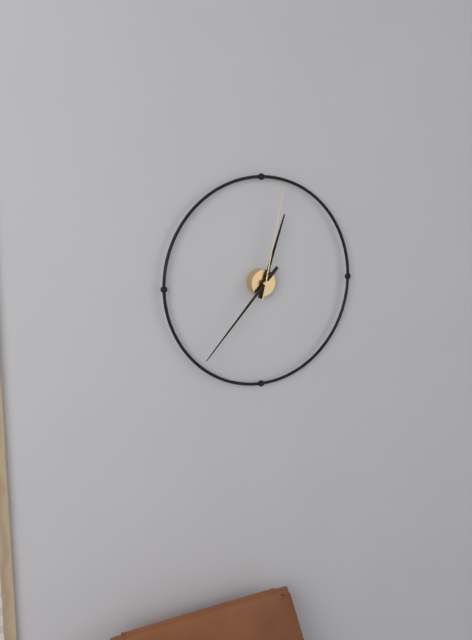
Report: 12:37:02
